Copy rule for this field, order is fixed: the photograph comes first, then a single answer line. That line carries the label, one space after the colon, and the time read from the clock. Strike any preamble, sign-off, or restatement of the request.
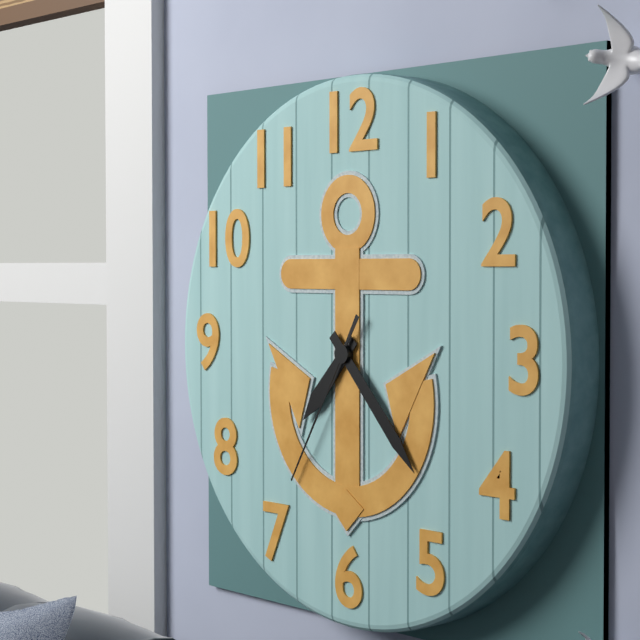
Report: 7:23:35
